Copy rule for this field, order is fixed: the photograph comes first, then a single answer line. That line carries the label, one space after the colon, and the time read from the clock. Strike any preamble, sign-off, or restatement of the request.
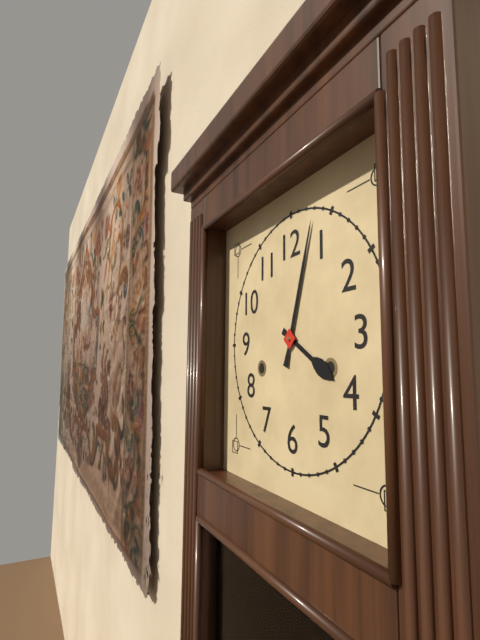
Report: 4:03
